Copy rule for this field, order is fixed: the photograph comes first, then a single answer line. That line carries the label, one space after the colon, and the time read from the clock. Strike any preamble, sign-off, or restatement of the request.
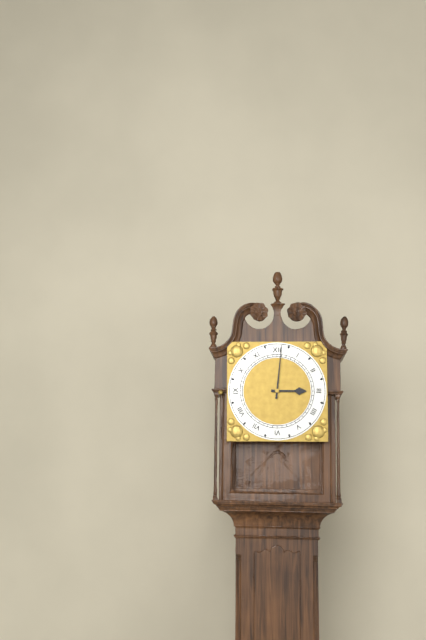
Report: 3:01
